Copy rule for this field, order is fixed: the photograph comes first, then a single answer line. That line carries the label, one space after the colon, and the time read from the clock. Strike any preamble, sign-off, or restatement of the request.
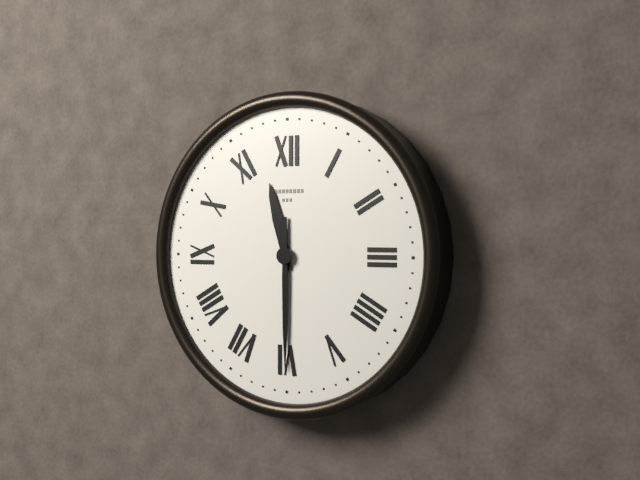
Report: 11:30
